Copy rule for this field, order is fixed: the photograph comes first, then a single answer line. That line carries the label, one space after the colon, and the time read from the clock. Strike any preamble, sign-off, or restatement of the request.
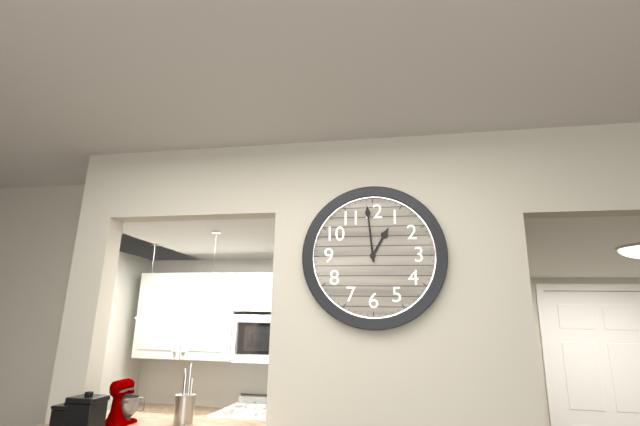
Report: 12:59
